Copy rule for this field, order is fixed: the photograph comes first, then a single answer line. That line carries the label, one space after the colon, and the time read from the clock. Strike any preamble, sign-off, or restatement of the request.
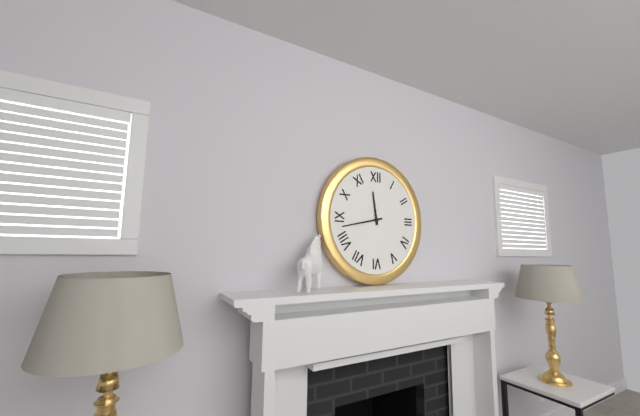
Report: 11:43
